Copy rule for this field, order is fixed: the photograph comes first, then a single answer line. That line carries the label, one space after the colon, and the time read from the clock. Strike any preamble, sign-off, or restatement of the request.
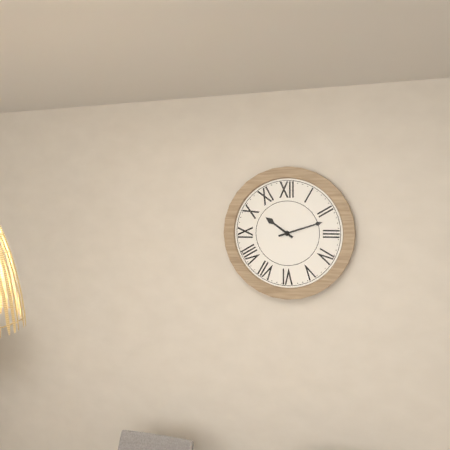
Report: 10:12
